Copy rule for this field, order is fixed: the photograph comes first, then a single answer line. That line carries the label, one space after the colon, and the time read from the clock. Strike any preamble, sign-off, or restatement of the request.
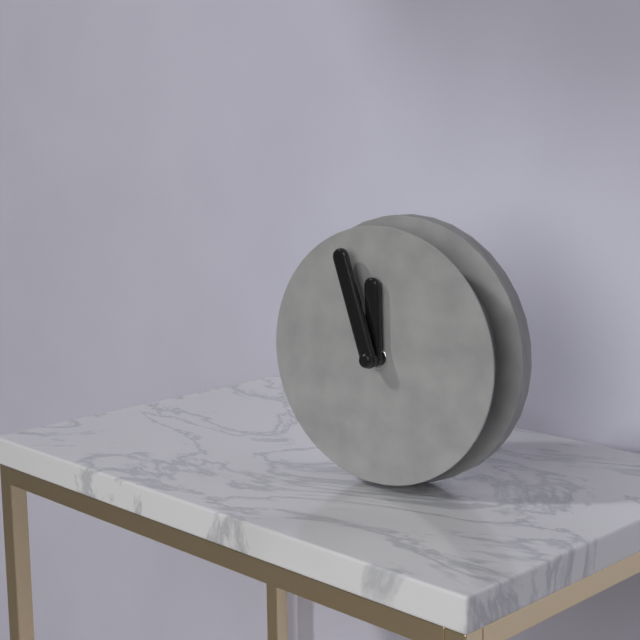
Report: 11:57
